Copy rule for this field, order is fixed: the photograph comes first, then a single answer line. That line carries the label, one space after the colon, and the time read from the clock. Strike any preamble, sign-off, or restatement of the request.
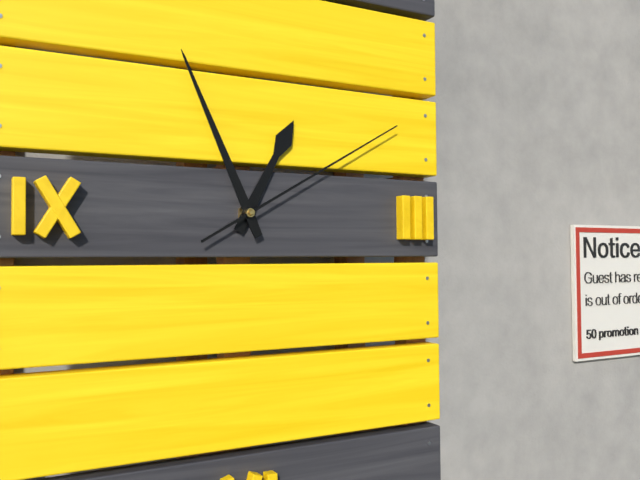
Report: 12:56:10
